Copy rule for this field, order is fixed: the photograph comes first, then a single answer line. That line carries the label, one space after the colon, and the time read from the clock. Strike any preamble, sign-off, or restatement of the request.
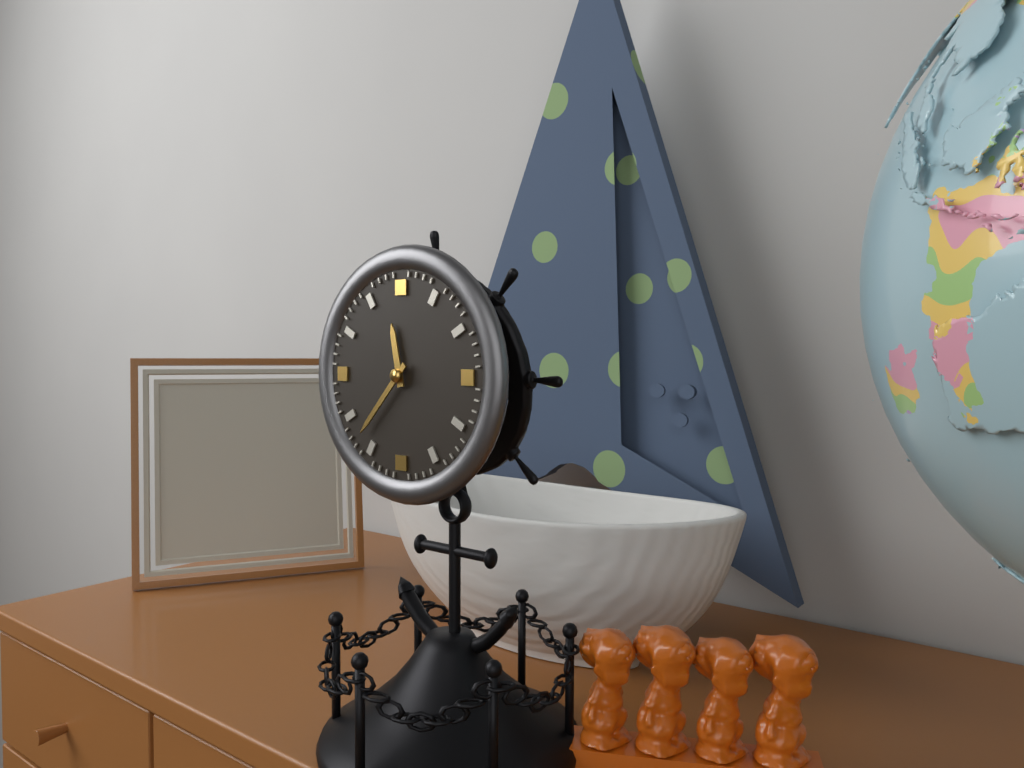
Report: 11:37
